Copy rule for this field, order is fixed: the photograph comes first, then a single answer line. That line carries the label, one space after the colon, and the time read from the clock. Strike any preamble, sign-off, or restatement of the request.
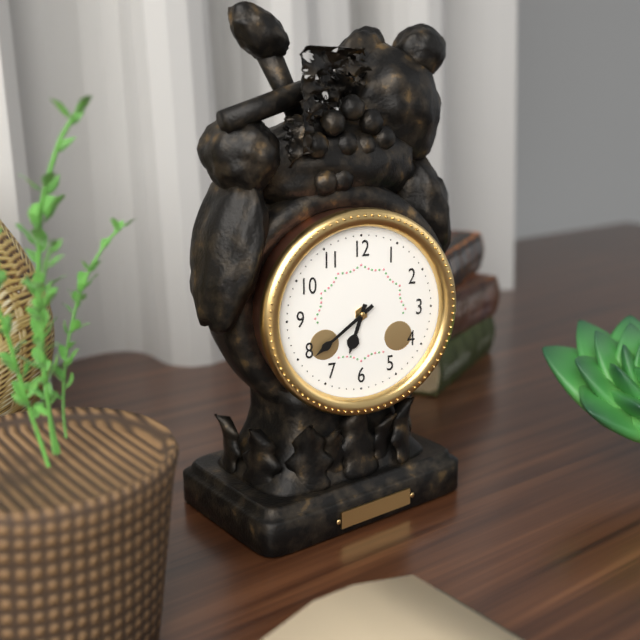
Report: 6:39
